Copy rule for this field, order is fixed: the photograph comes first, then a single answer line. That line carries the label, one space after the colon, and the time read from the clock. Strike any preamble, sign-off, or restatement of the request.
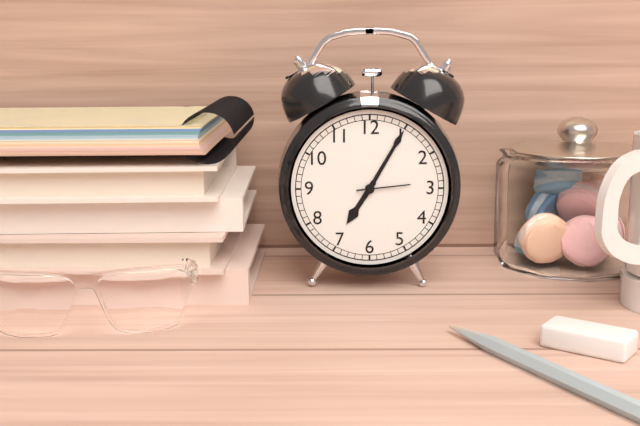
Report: 7:05:14
